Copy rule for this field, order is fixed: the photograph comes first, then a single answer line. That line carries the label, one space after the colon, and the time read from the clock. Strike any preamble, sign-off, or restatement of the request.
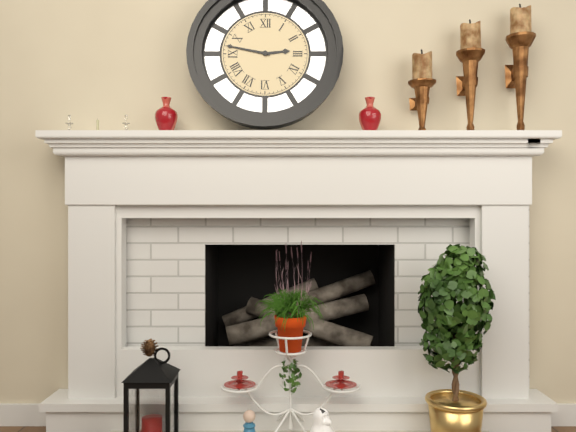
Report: 2:47
